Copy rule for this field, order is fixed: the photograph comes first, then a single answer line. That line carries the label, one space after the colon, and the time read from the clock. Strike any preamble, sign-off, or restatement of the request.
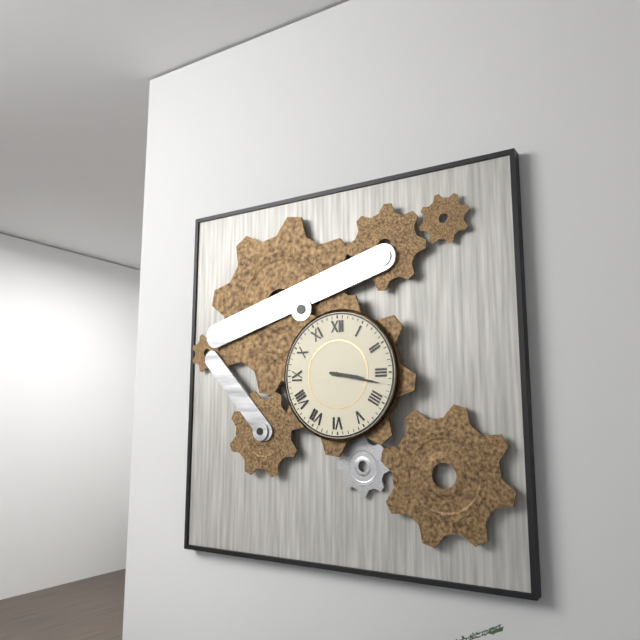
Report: 3:17
